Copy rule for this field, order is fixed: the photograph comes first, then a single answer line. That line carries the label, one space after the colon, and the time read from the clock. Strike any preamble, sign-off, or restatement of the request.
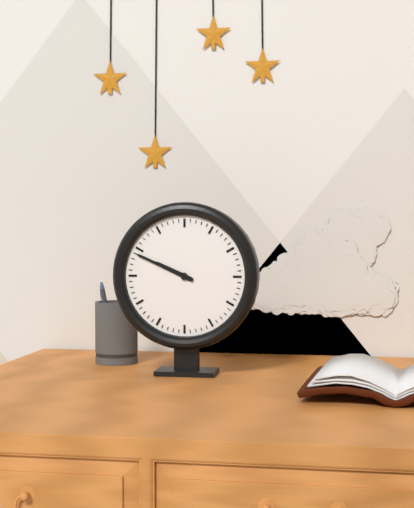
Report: 9:49
